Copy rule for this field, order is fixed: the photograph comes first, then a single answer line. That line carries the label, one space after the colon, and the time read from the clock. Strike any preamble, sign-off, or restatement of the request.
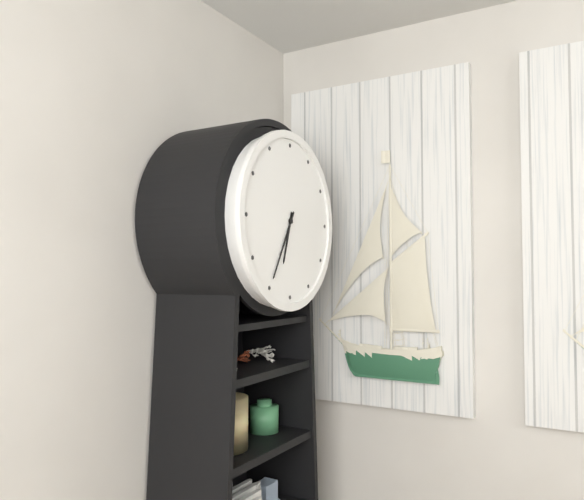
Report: 6:35
